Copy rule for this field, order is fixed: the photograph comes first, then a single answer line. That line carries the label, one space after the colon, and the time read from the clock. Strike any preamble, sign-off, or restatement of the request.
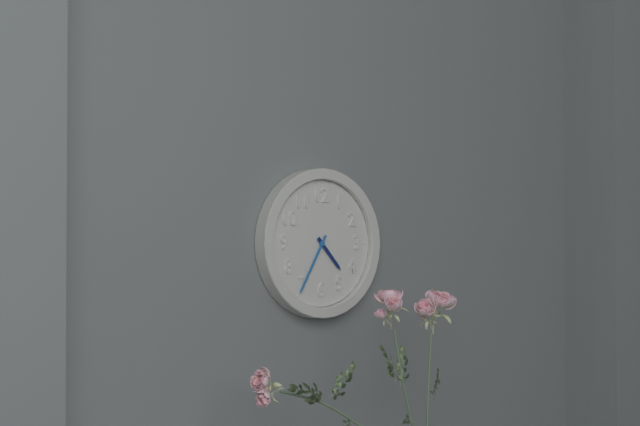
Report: 4:35
